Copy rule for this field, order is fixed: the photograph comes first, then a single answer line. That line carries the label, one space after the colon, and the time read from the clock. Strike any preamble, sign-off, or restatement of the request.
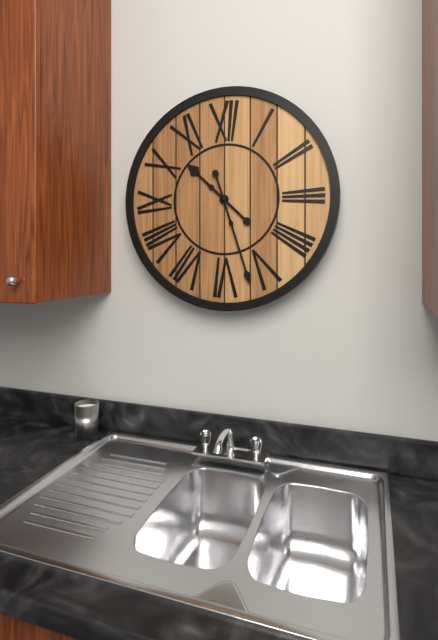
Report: 10:27
